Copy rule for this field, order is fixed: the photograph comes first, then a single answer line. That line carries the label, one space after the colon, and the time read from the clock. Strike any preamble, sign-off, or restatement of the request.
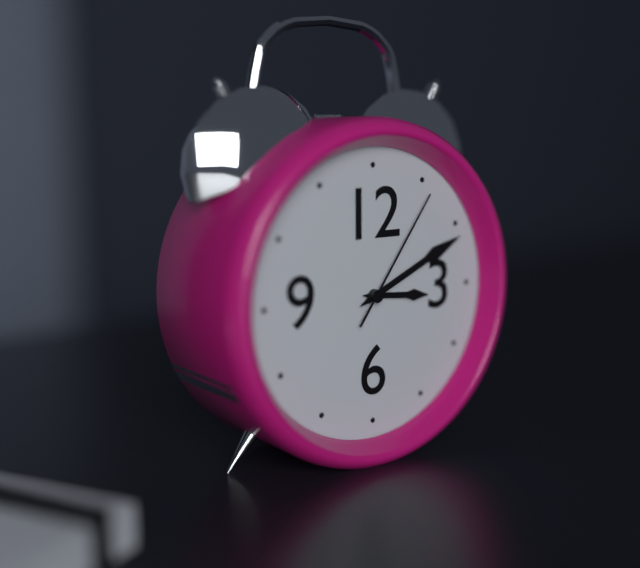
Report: 3:11:06
